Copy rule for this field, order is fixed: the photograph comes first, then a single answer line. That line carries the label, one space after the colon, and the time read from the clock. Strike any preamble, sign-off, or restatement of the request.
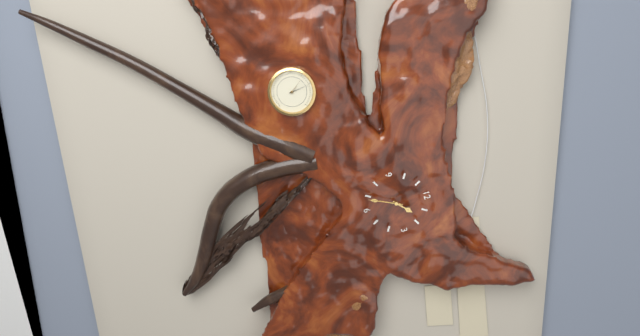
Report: 1:34
